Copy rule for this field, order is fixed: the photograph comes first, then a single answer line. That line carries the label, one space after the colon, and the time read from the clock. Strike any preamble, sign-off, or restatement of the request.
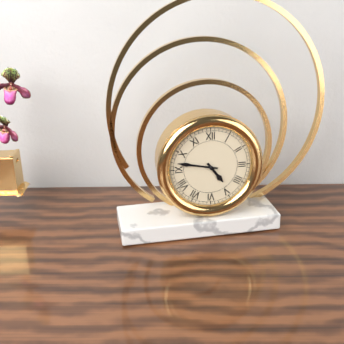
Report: 4:47
